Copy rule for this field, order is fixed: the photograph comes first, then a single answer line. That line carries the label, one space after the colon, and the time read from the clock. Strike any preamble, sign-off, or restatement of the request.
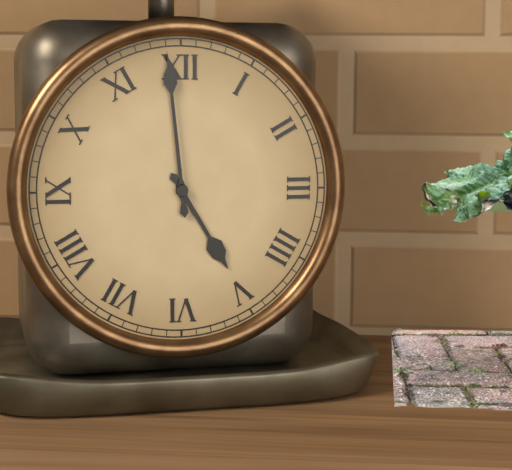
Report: 4:59
